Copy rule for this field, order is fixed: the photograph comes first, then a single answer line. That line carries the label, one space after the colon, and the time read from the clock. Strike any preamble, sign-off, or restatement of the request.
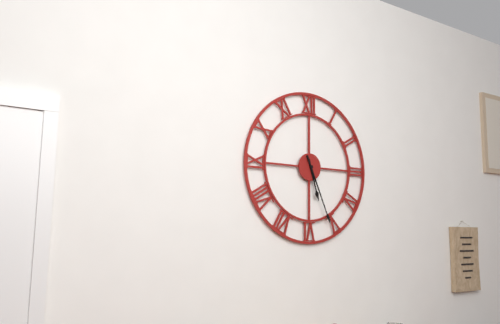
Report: 5:26
